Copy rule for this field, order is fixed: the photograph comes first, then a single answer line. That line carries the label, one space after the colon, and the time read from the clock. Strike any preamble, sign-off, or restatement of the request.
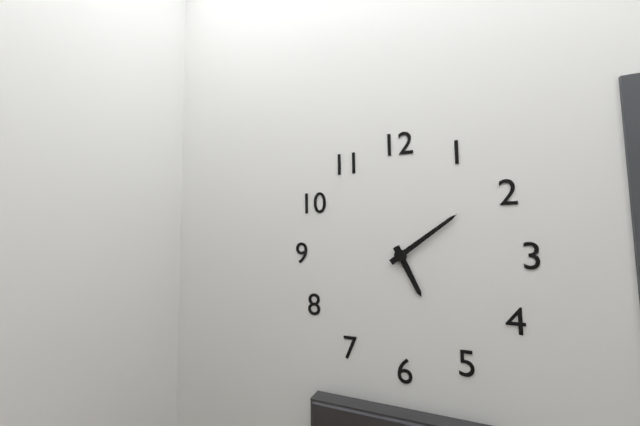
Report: 5:09
